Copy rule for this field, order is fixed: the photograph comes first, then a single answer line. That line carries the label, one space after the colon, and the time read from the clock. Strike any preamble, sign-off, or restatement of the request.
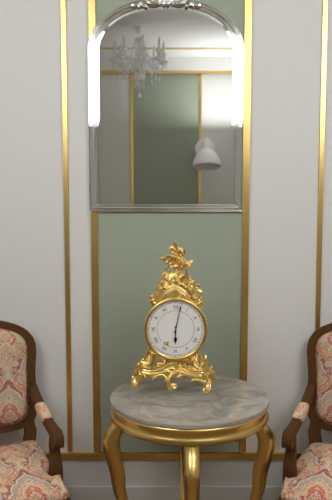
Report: 6:02
